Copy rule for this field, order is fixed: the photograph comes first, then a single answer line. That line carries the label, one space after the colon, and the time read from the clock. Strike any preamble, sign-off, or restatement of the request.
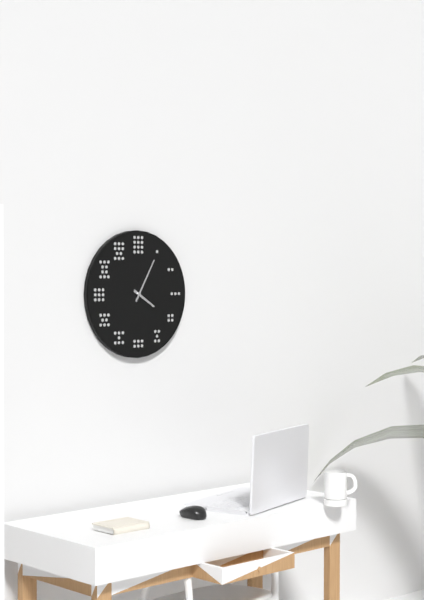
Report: 4:05
